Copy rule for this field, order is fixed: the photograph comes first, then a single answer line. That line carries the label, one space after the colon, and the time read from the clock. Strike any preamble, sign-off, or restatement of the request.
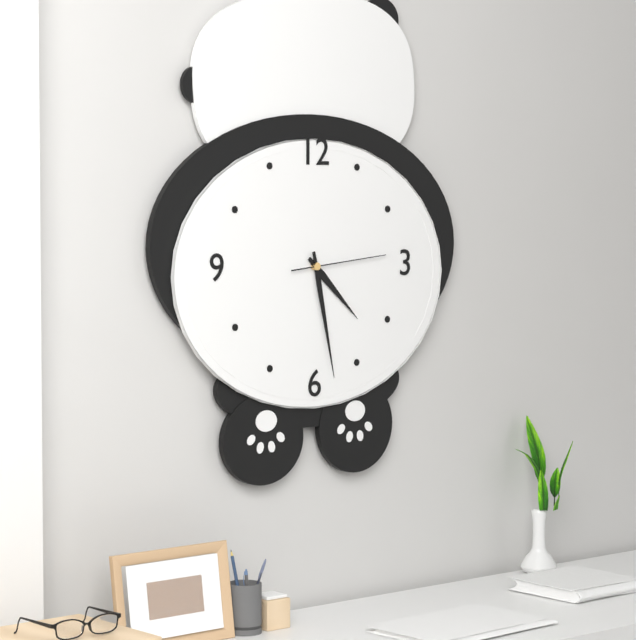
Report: 4:28:14
